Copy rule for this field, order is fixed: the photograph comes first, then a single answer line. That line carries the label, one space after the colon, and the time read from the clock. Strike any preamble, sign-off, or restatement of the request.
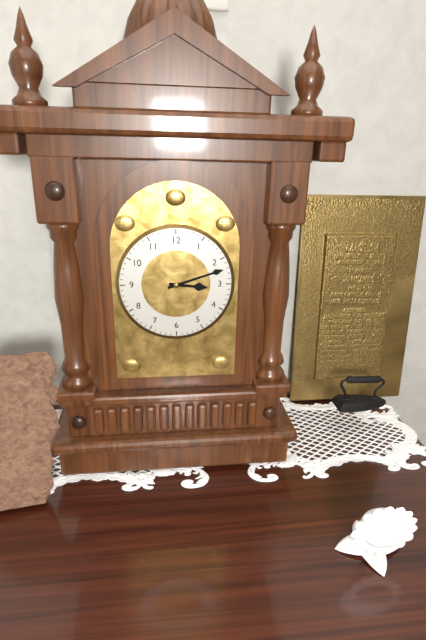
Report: 3:12
